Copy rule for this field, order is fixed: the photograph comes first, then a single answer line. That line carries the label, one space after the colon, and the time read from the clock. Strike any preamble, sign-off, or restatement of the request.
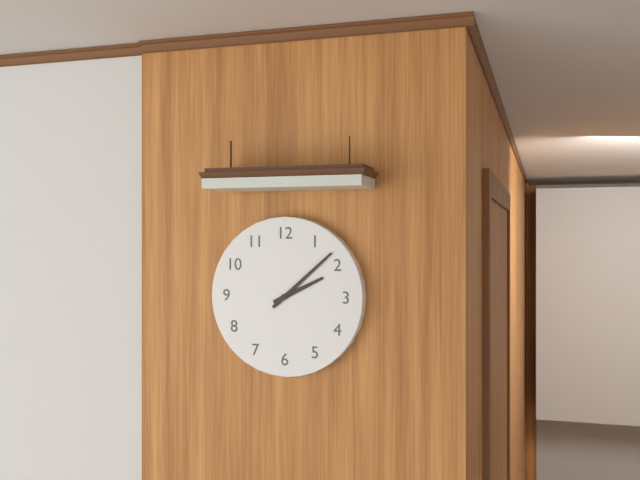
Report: 2:08
